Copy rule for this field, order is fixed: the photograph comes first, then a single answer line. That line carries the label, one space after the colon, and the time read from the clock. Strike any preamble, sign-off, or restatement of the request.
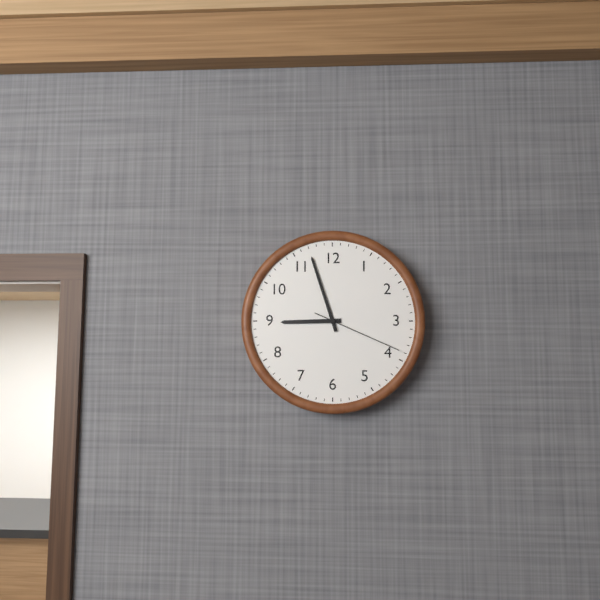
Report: 8:57:19
